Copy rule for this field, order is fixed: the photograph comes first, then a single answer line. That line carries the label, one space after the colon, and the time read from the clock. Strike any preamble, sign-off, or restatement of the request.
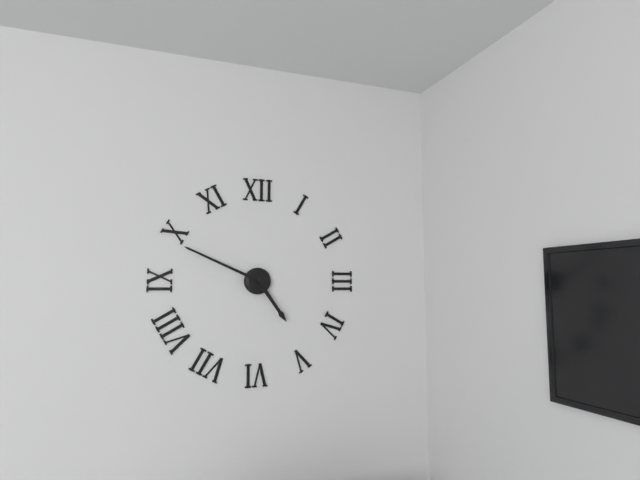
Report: 4:49
